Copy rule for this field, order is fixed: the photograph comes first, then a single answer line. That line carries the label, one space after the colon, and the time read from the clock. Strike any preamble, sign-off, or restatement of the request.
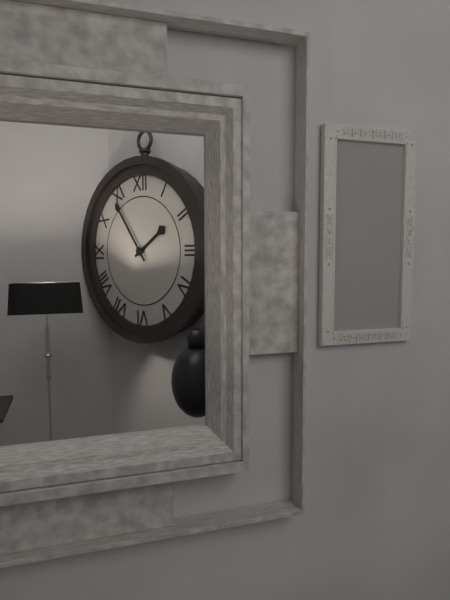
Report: 1:54
